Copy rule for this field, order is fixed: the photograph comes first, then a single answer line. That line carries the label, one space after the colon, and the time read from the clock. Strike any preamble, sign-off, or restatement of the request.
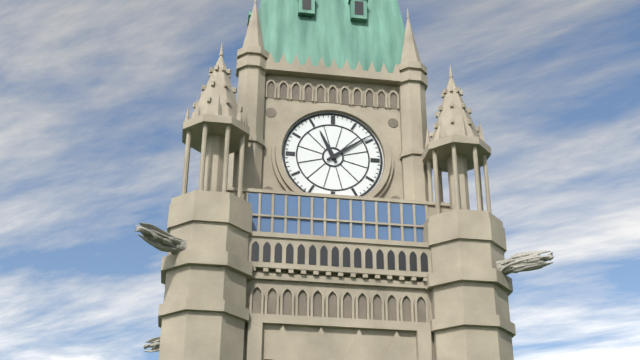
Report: 11:09
